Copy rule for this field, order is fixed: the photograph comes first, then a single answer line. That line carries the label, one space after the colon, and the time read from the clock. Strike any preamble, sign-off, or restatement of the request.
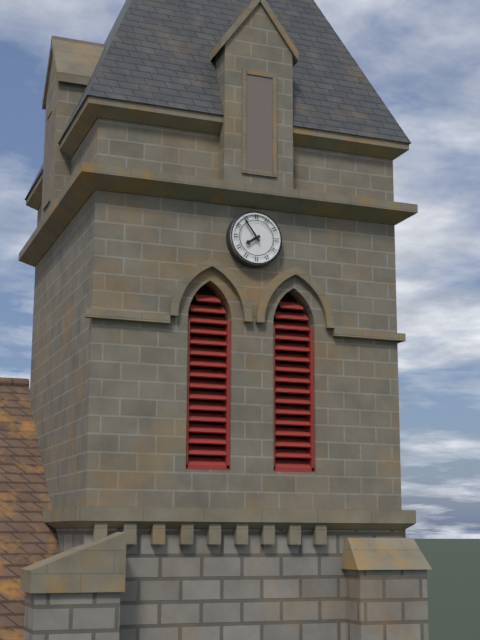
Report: 7:54
